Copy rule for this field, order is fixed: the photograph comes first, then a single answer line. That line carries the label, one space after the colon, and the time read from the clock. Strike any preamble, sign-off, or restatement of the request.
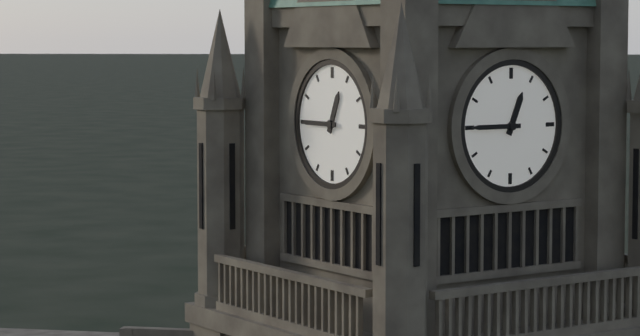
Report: 12:45
